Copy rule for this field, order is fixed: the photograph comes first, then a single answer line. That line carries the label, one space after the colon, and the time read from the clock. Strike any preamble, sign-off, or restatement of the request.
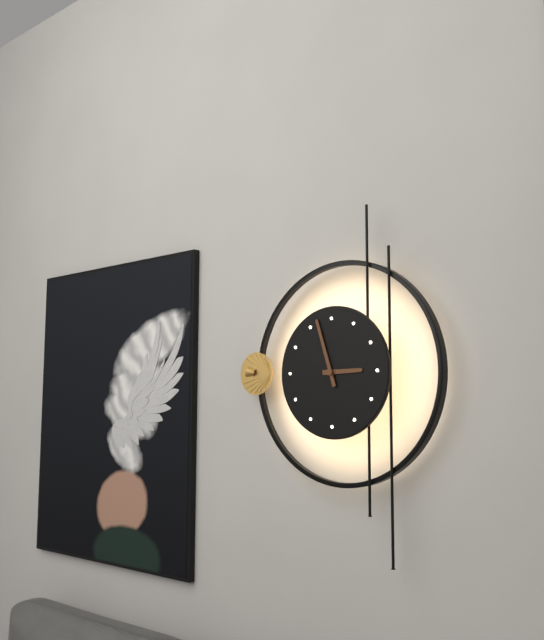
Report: 2:57
